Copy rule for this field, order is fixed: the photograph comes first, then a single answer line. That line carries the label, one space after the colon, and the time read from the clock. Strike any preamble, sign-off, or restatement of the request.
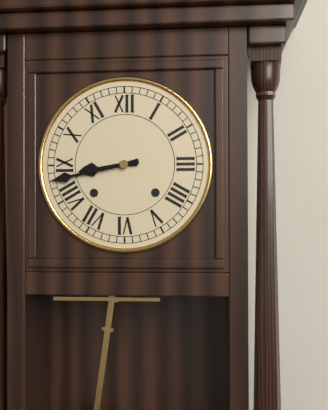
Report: 8:43
